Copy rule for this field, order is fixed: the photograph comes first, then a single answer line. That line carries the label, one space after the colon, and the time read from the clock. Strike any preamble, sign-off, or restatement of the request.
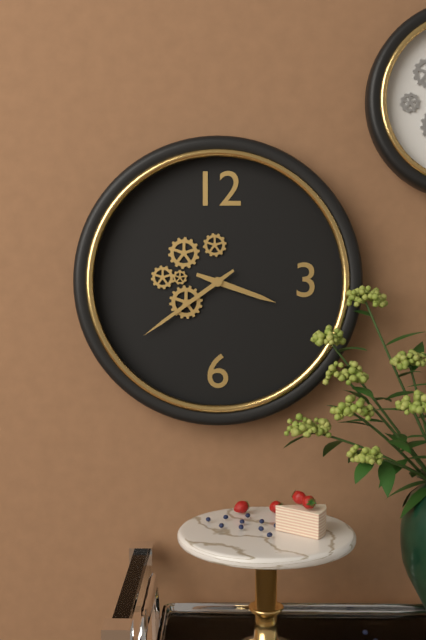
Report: 3:39
